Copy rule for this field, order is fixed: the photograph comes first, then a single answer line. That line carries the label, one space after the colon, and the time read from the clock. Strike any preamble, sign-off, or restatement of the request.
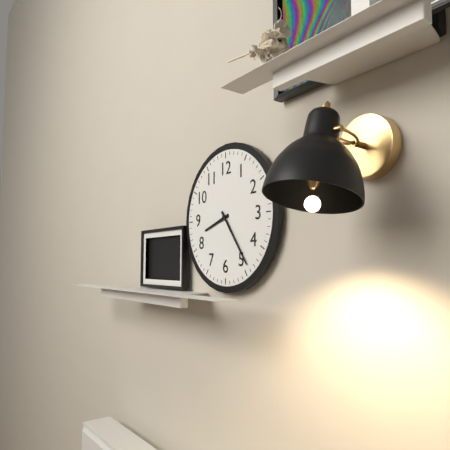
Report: 8:24
